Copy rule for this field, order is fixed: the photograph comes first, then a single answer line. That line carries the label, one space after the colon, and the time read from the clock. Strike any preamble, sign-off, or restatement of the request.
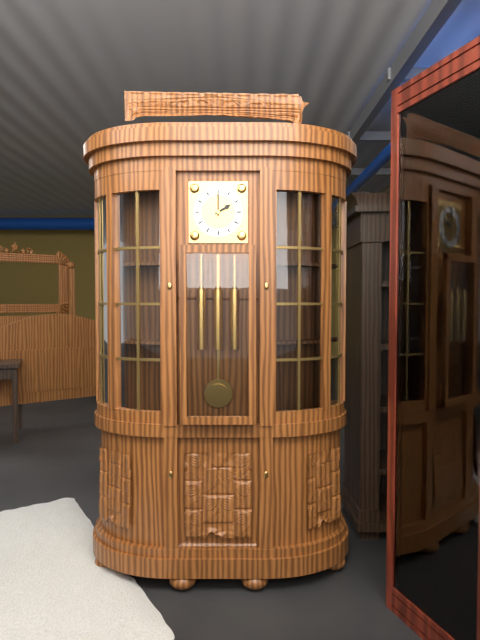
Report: 2:00
